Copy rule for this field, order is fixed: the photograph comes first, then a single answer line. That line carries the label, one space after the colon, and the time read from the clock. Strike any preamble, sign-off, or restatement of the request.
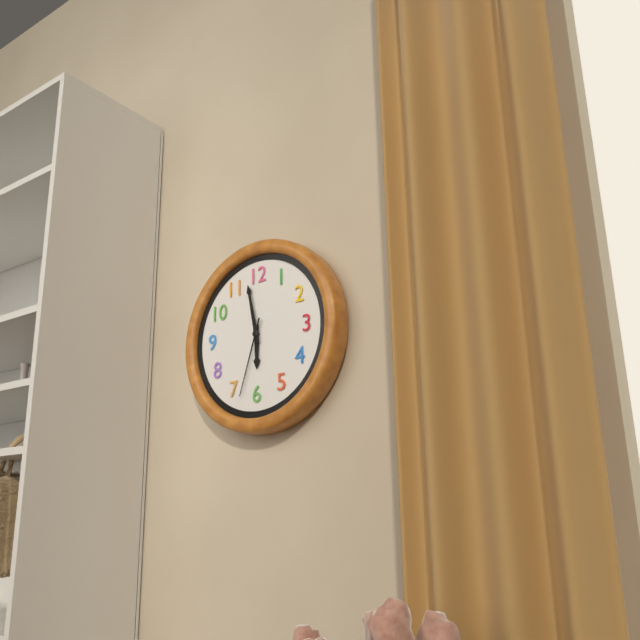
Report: 5:58:33
